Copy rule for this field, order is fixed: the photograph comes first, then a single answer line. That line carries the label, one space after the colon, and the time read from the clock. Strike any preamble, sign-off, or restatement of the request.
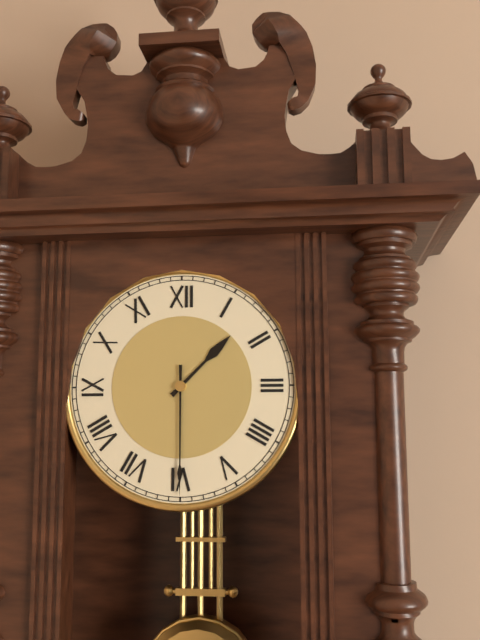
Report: 1:30
